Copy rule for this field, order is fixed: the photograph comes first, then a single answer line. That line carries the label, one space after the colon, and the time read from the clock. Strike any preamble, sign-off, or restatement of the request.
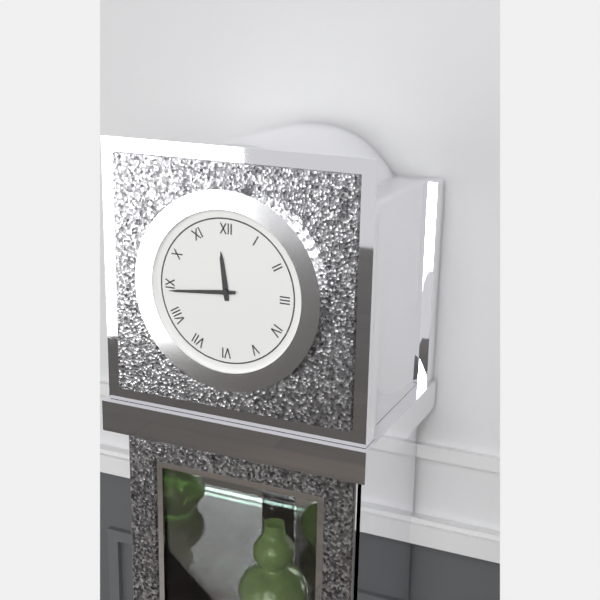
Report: 11:44
